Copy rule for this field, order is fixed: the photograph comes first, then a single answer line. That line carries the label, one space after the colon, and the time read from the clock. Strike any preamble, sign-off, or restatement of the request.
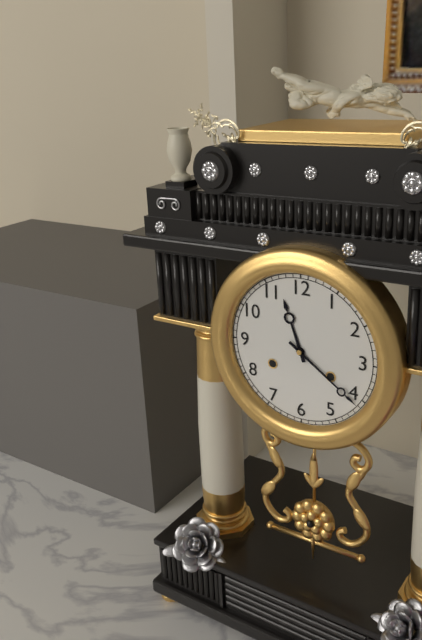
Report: 11:21
